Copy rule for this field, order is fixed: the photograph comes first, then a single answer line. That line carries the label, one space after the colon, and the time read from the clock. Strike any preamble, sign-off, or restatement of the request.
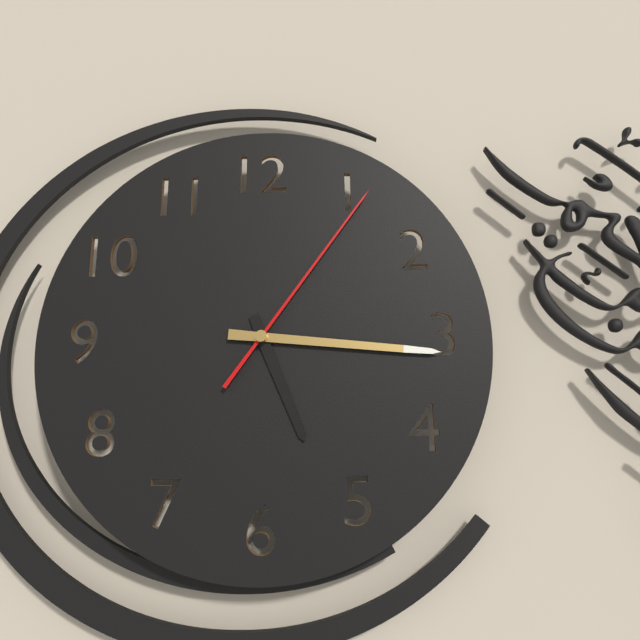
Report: 5:16:06
